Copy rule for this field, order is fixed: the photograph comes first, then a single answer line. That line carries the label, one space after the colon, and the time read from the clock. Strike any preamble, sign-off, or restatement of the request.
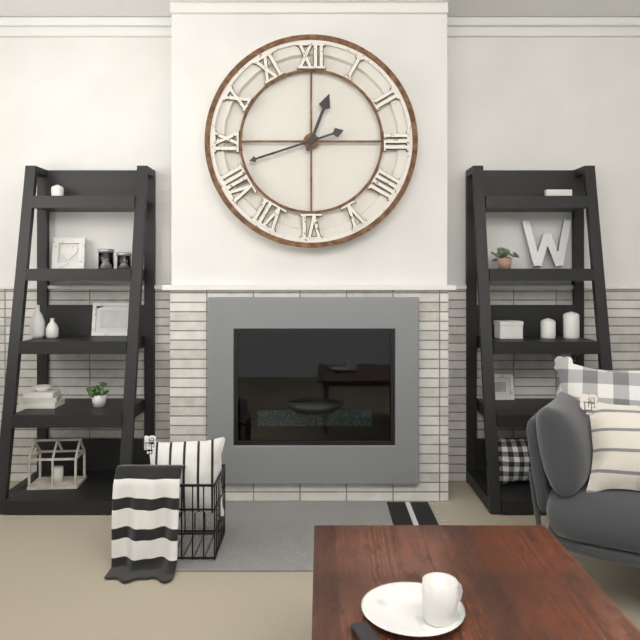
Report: 12:42
